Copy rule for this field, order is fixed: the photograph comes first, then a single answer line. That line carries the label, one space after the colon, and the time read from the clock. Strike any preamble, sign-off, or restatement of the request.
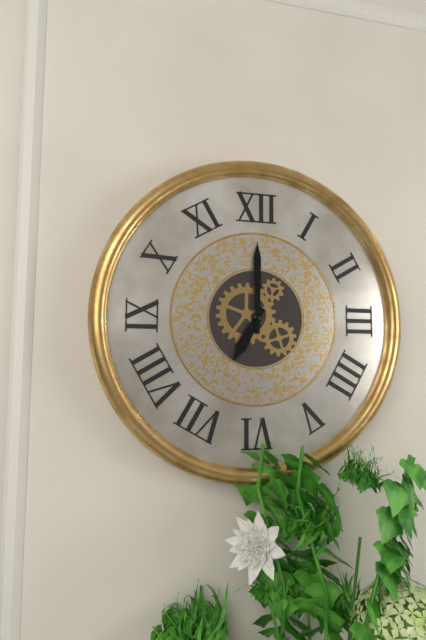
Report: 7:00
